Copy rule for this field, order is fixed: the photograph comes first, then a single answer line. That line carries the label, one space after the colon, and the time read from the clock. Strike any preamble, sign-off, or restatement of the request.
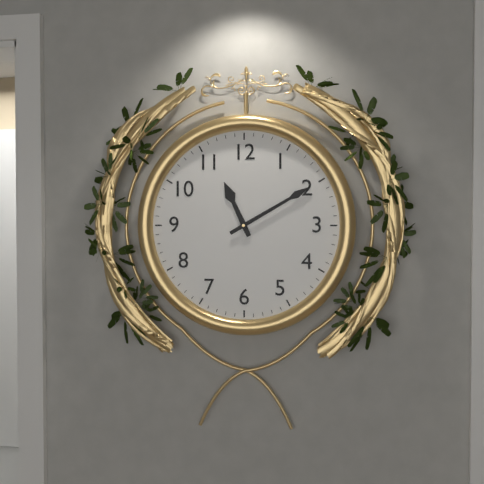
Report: 11:10
